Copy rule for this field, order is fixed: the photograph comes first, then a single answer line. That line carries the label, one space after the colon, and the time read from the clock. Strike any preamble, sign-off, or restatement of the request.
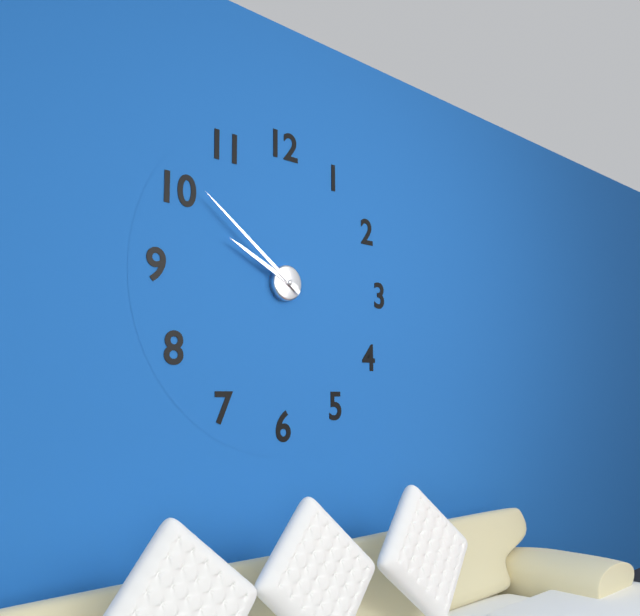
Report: 9:51
